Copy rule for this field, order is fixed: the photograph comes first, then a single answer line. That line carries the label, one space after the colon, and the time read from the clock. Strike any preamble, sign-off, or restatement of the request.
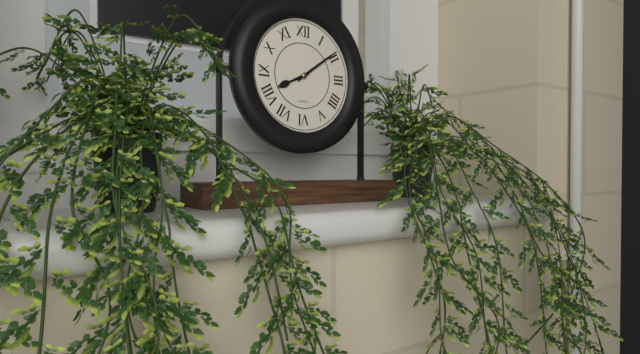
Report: 8:09
